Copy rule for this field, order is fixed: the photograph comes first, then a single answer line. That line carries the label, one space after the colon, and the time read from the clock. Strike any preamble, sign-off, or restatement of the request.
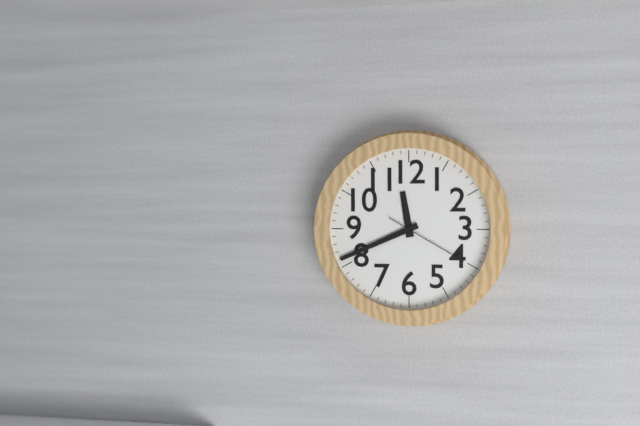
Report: 11:41:20
